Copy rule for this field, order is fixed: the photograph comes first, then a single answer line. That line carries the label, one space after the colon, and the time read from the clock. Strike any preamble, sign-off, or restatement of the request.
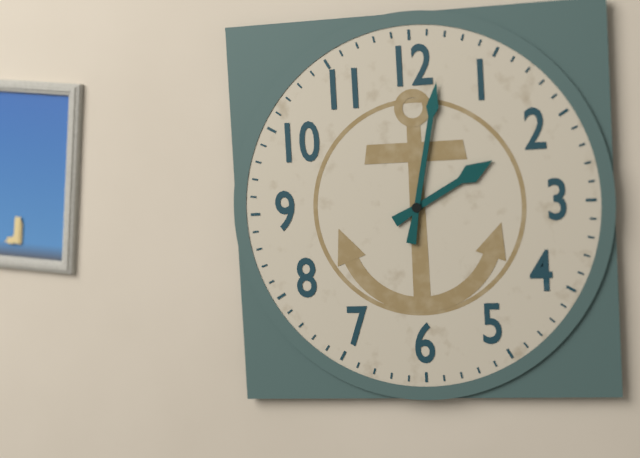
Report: 2:02
